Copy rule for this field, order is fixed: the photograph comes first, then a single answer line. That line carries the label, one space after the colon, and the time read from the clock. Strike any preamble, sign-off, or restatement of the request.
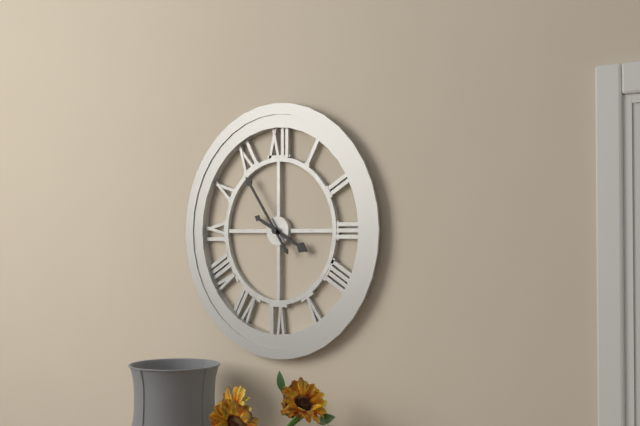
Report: 3:54
